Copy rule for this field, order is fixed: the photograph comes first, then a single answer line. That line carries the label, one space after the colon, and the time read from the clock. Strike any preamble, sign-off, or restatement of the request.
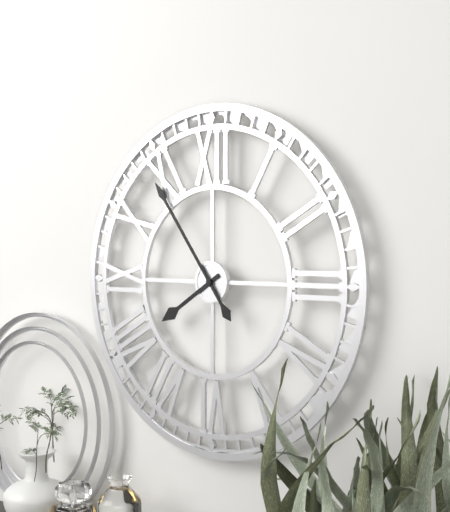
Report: 7:54
